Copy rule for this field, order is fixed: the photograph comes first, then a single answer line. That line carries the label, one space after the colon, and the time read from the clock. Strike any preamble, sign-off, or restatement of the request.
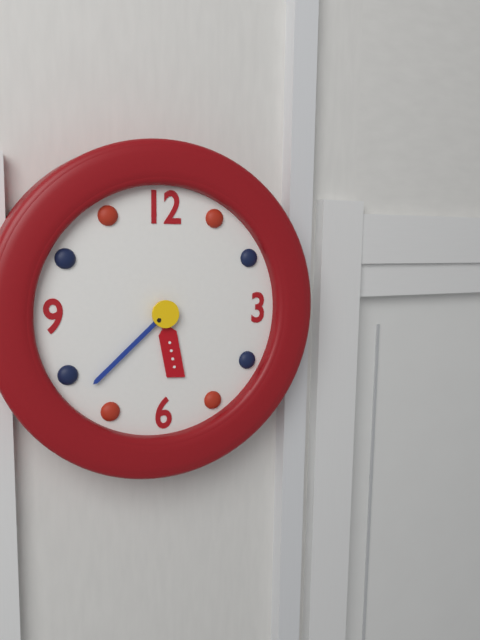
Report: 5:38
